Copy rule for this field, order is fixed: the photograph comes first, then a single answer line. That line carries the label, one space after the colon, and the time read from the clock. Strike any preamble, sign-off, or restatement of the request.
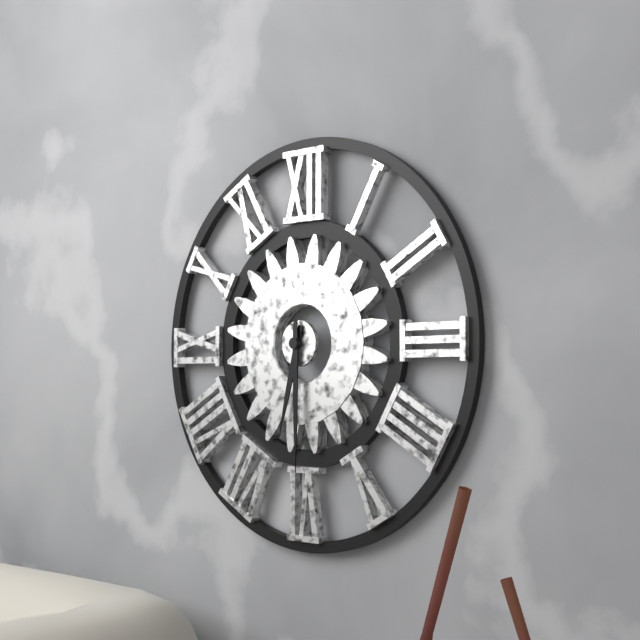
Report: 6:30
